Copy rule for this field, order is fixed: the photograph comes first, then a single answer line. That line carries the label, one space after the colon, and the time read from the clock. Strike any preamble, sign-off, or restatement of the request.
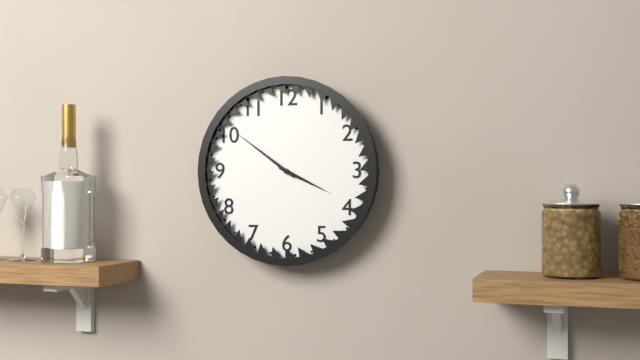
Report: 3:51
